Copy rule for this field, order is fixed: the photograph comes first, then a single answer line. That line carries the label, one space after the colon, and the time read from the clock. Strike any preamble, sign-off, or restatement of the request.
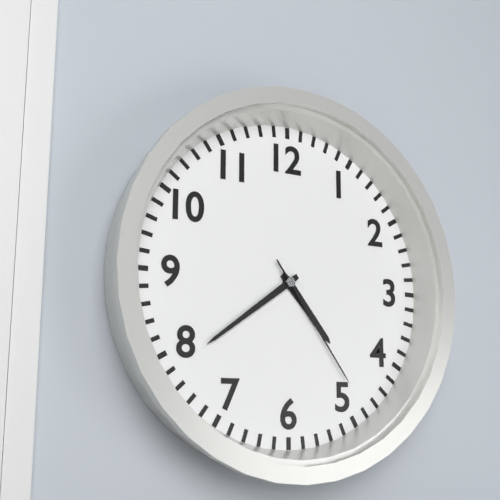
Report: 4:39:24
